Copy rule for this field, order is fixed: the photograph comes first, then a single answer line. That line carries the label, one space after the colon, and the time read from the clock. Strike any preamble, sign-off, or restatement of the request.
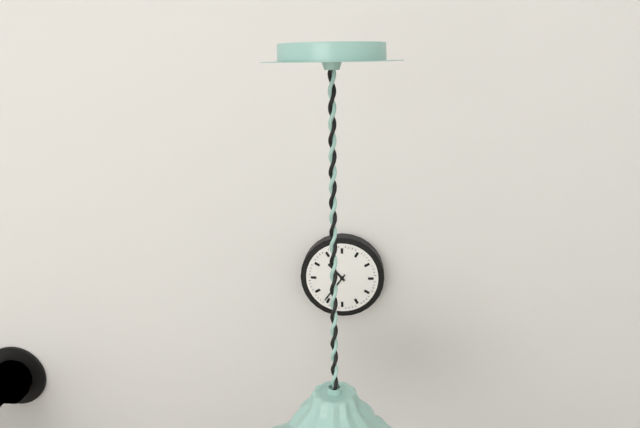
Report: 10:36
